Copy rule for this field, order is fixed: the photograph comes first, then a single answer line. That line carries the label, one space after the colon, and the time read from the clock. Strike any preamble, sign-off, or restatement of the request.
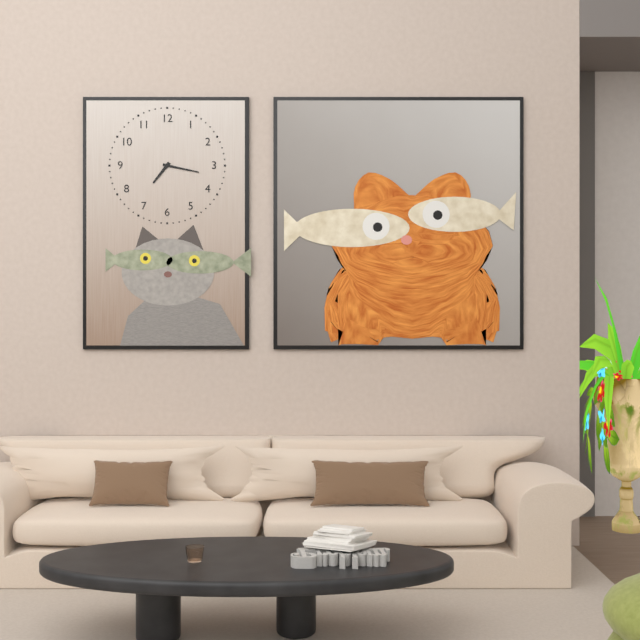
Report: 7:17
